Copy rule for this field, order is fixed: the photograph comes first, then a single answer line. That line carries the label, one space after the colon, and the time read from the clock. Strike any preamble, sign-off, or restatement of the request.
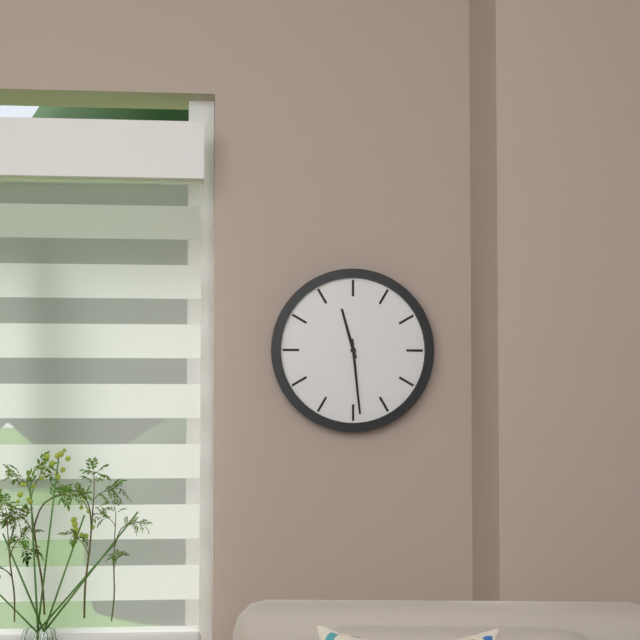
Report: 11:29
